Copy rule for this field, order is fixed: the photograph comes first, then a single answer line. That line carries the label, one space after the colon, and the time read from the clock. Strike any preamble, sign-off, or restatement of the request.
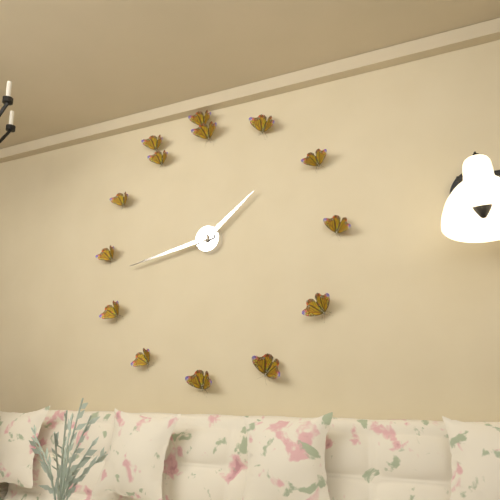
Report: 1:43
